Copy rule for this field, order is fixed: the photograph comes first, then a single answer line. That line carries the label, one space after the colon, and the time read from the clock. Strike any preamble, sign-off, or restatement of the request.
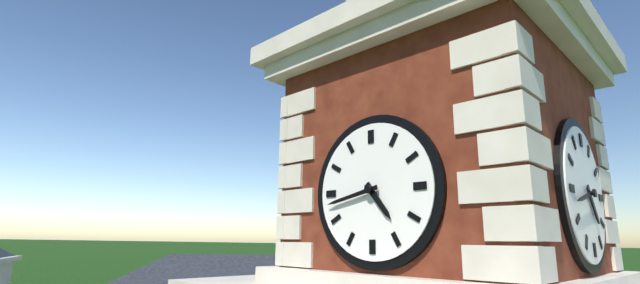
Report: 4:43
